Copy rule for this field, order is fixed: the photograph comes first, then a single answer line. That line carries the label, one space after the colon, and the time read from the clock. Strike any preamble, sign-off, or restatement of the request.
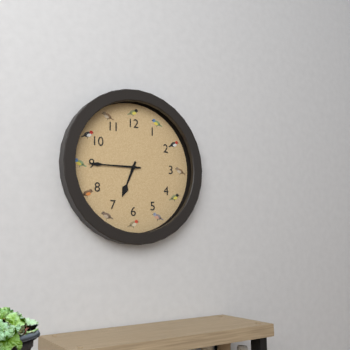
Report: 6:45
